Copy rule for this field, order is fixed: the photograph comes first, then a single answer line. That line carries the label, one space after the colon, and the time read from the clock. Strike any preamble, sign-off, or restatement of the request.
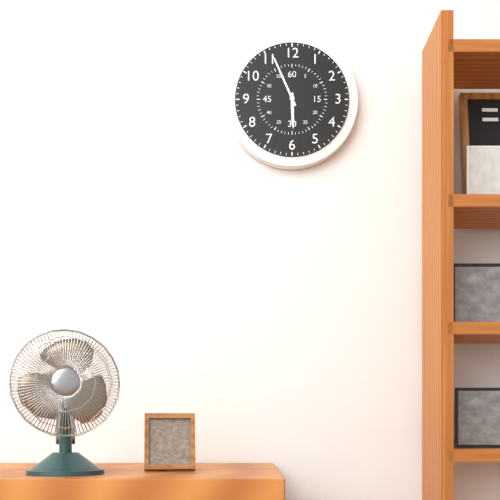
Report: 5:56
